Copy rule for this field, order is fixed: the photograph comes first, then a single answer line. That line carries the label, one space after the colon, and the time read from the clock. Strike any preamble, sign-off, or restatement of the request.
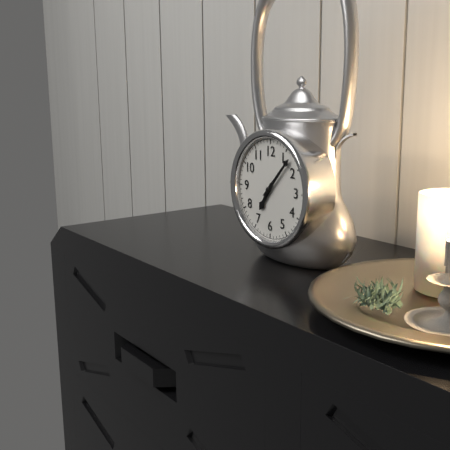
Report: 7:07
